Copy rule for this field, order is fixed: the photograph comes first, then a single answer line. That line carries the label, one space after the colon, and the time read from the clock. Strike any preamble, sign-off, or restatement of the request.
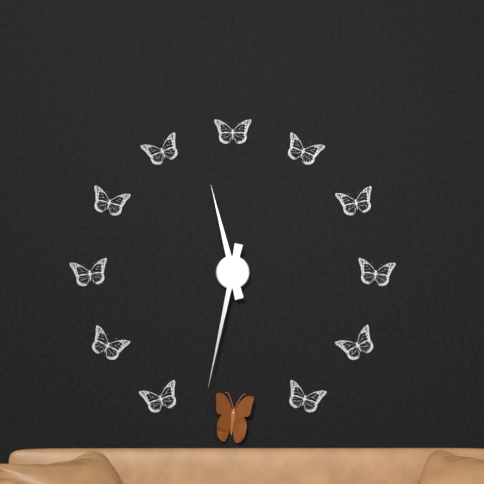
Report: 11:32
